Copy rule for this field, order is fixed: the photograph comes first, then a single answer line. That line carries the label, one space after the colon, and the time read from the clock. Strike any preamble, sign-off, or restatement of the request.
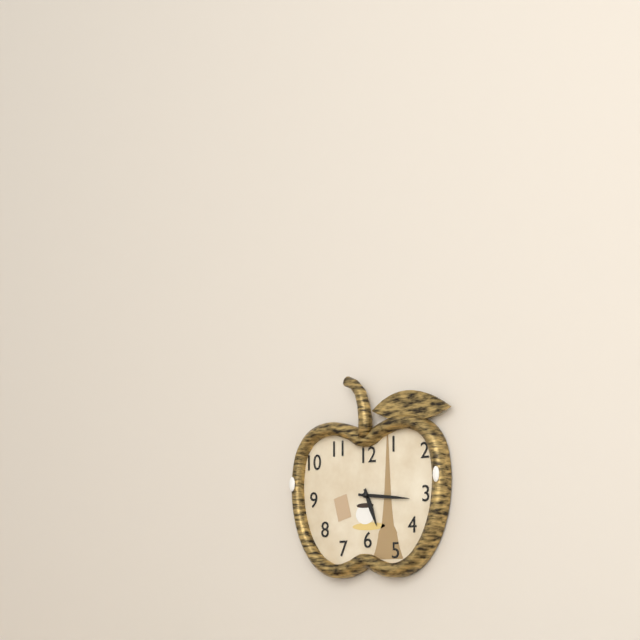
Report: 5:16
